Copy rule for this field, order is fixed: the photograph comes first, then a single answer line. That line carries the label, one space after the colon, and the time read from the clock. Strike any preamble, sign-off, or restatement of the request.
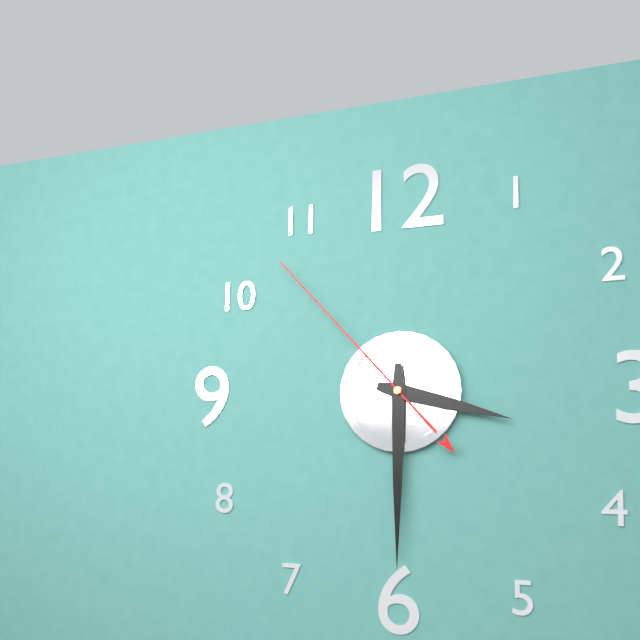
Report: 3:30:53
